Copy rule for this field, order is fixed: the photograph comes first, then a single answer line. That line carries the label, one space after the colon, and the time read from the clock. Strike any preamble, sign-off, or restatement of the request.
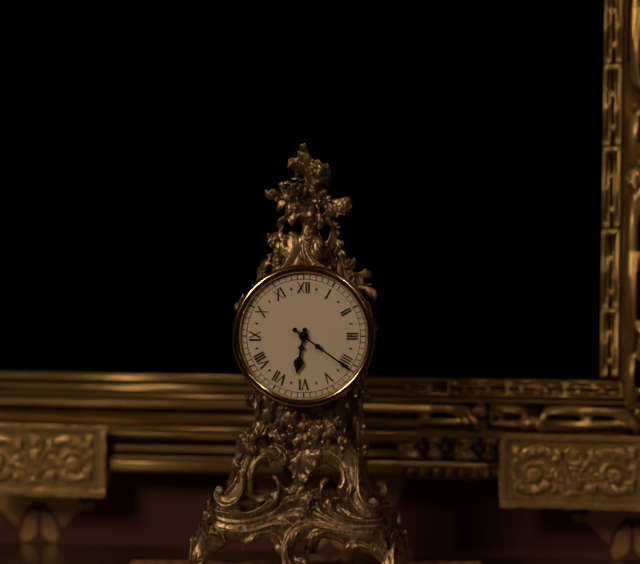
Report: 6:21
